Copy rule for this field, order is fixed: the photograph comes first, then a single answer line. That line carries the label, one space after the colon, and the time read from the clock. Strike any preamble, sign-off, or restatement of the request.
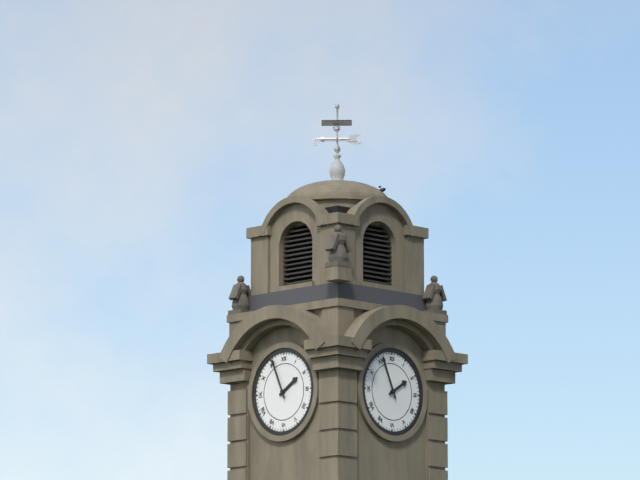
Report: 1:56
